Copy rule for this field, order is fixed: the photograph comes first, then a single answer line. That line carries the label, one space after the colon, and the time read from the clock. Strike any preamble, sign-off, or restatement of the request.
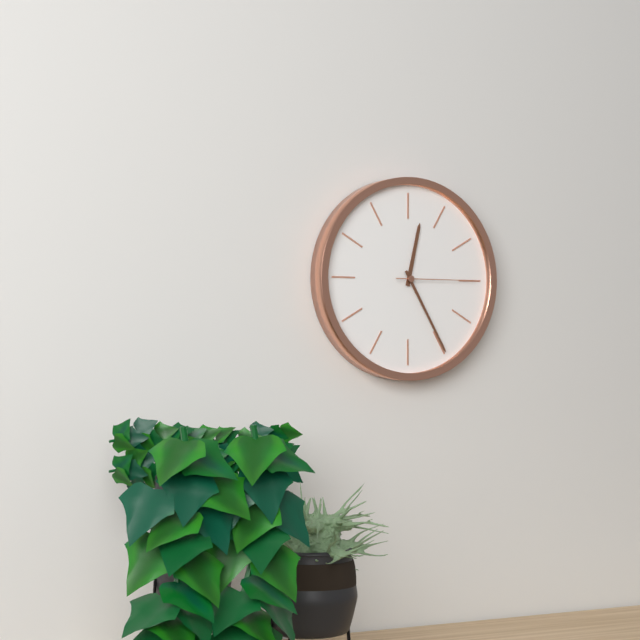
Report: 12:25:15
